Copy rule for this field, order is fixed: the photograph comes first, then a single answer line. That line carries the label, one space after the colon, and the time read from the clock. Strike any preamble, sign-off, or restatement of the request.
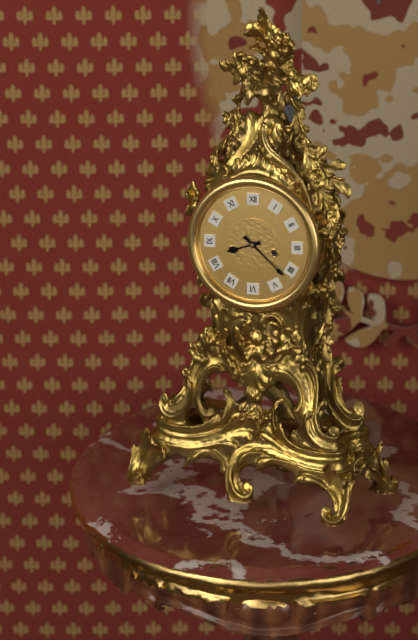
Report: 8:22
